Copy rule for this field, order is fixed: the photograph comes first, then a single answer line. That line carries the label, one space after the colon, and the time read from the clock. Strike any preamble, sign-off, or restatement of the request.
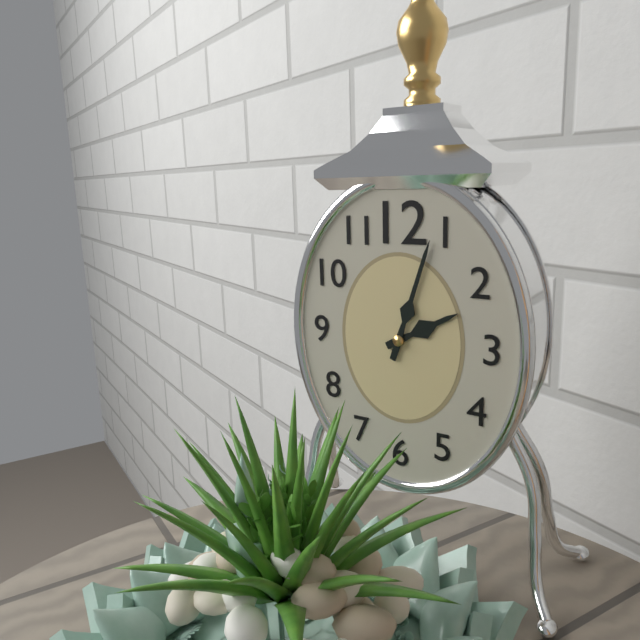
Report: 2:03
